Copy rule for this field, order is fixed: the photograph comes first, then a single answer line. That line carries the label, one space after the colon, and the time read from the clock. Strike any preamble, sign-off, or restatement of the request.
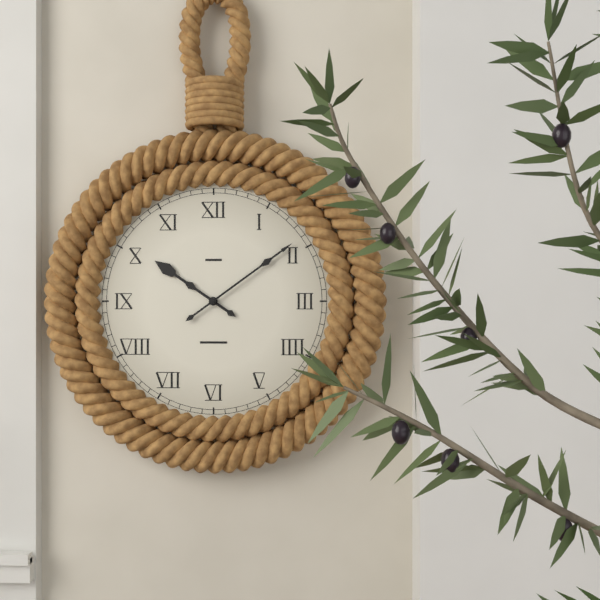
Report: 10:09
